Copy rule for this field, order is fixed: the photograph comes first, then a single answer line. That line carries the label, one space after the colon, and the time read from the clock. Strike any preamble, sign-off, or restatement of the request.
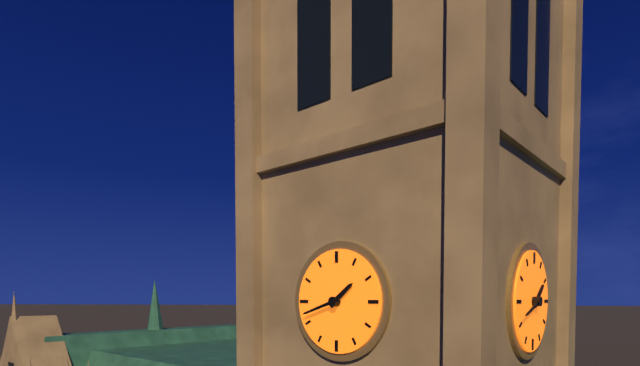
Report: 1:42
